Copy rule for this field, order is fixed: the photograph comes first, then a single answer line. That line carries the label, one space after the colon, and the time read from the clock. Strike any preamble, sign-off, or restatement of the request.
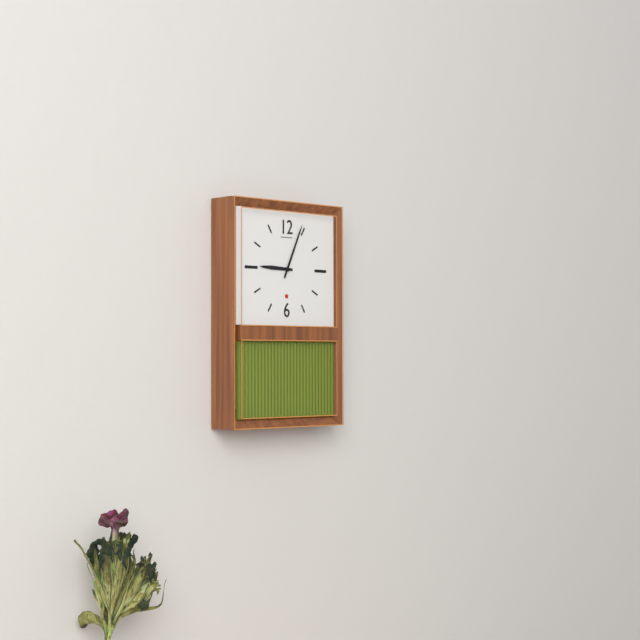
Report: 9:04
